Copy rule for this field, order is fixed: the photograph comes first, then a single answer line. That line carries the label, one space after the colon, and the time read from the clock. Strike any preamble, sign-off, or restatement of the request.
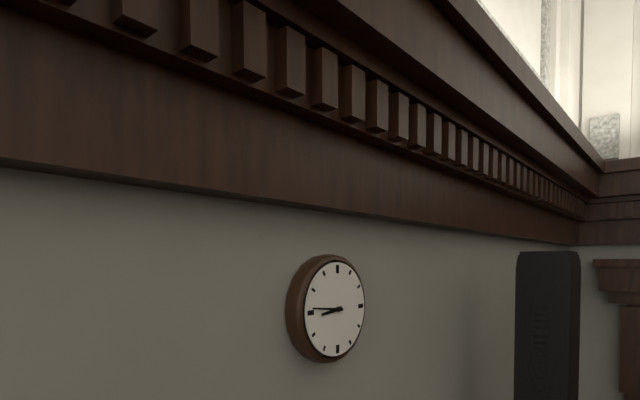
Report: 8:46
